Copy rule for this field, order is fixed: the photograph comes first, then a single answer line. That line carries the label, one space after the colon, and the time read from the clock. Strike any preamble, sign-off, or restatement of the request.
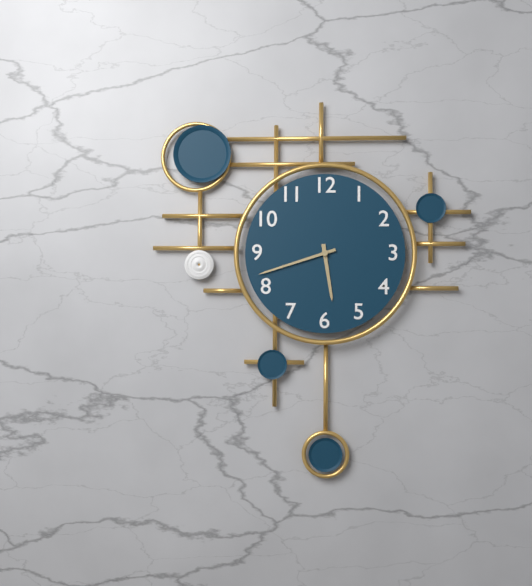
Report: 5:42
